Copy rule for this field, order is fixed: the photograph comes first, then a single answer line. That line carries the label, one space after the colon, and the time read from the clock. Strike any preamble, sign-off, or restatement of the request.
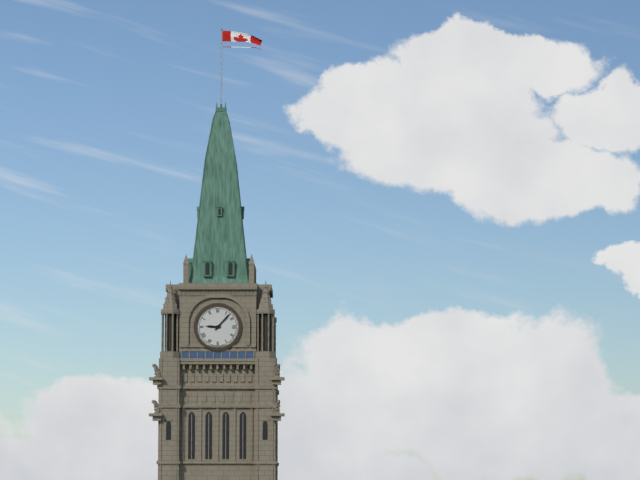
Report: 9:07
